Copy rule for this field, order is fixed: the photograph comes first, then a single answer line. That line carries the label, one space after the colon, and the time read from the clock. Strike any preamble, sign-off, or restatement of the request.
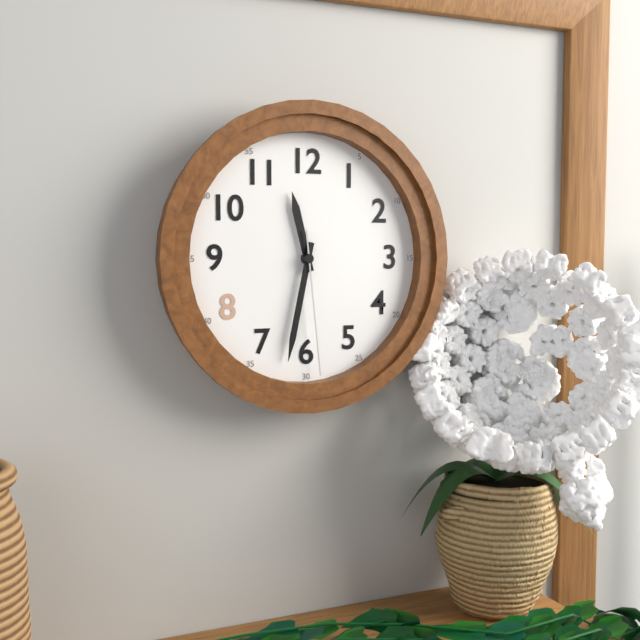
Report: 11:32:29
